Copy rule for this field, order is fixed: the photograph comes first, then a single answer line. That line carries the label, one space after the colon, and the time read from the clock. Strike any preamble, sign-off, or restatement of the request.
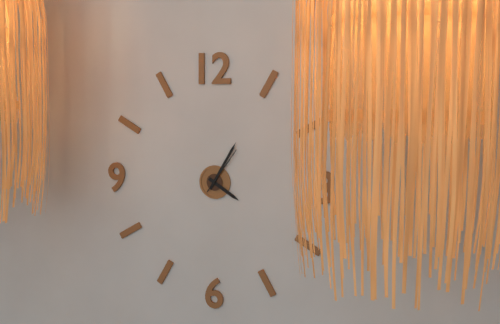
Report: 4:05
